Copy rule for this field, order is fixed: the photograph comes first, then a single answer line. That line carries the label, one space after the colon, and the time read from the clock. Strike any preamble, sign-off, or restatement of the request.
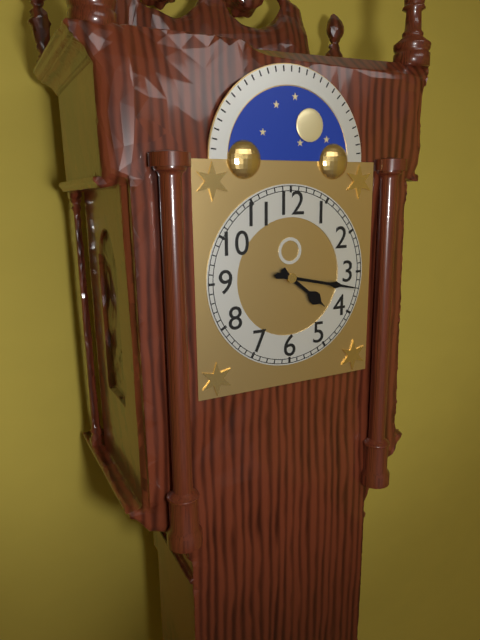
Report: 4:17
